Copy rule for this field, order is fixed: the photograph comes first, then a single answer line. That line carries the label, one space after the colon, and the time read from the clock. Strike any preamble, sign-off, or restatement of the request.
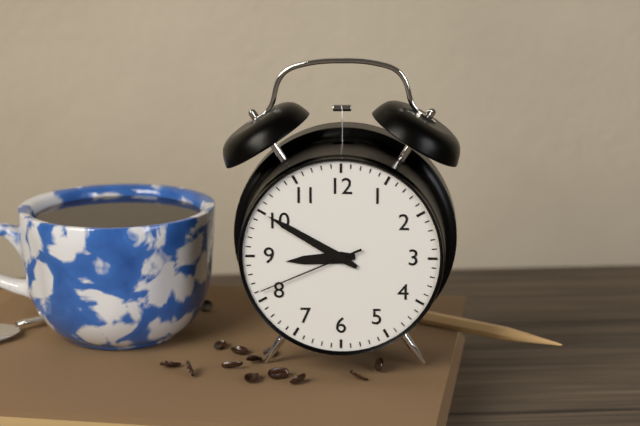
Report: 8:50:41
